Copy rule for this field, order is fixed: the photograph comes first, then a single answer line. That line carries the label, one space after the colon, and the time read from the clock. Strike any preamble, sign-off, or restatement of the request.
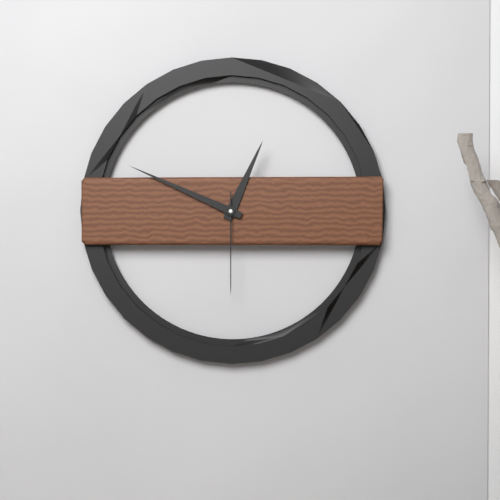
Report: 12:49:30
